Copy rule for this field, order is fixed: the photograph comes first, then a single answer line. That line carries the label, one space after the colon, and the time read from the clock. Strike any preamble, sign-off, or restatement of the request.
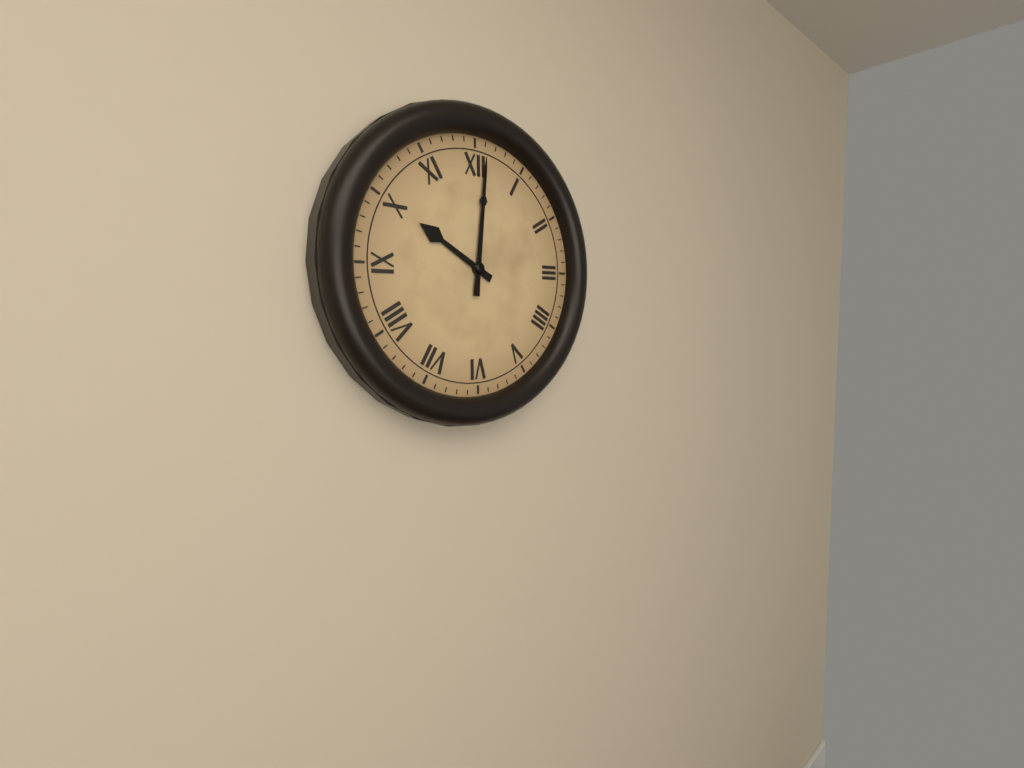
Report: 10:01
